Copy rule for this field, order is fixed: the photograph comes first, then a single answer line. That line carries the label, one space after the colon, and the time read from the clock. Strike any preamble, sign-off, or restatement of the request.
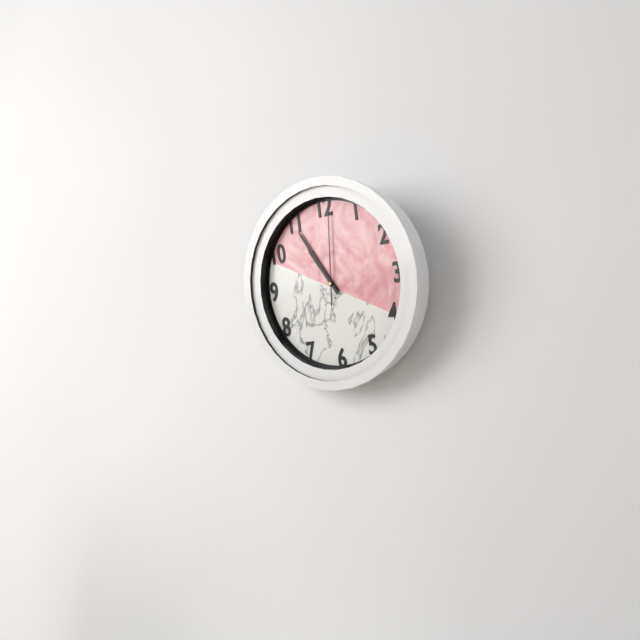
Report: 10:55:01
